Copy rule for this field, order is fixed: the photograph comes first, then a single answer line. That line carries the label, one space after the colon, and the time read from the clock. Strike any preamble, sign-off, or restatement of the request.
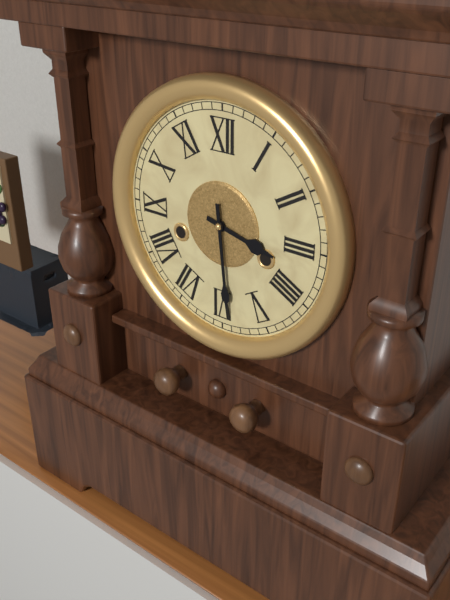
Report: 3:29
